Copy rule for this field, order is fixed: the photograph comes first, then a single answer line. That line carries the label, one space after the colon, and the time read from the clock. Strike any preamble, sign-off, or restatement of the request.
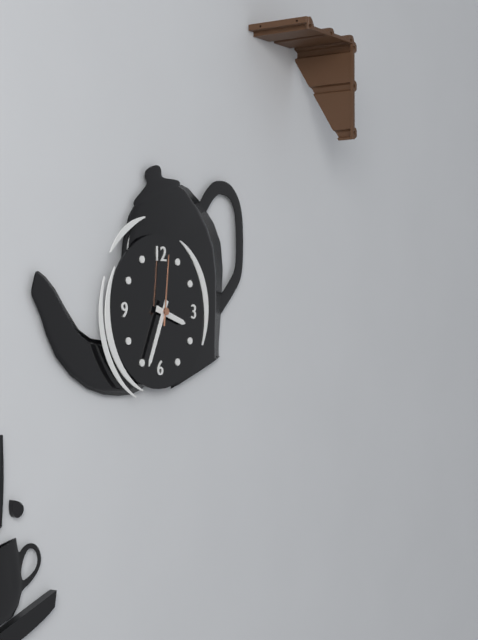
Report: 3:34:01
